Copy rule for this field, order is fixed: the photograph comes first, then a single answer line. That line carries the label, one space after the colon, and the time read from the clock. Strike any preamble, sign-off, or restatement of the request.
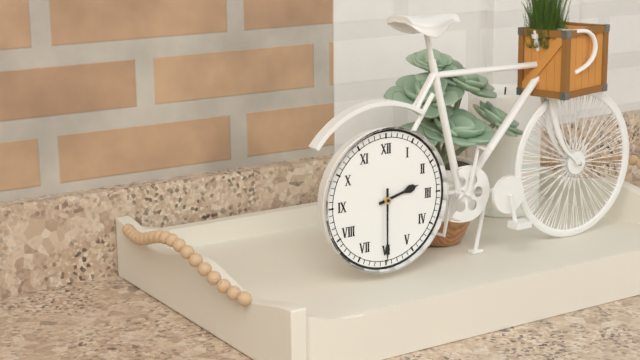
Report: 2:30
